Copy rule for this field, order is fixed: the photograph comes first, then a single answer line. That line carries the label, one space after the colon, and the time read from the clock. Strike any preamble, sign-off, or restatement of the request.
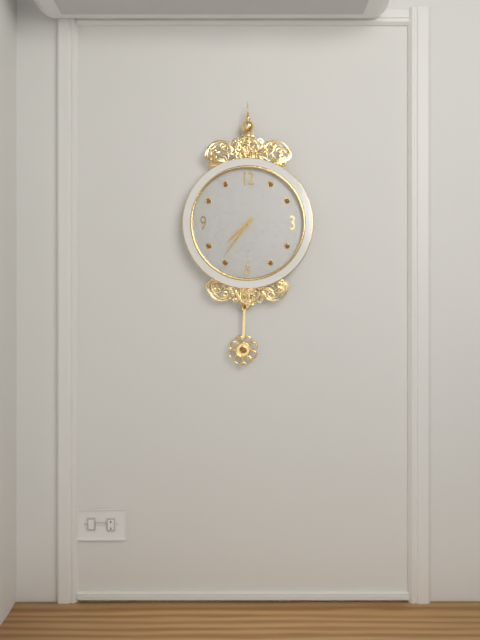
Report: 7:36
